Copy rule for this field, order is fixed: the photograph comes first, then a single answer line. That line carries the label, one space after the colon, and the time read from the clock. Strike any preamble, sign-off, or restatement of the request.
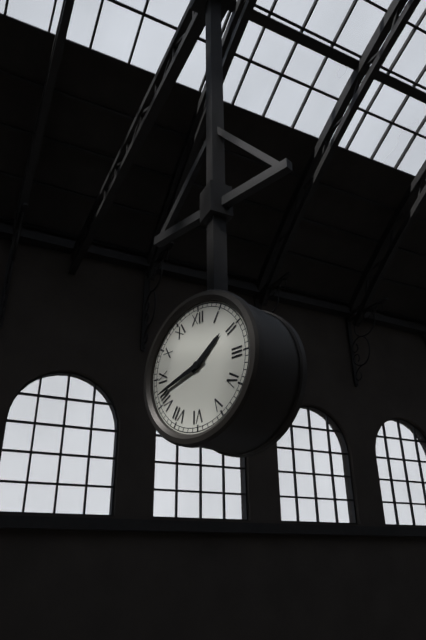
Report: 1:42
